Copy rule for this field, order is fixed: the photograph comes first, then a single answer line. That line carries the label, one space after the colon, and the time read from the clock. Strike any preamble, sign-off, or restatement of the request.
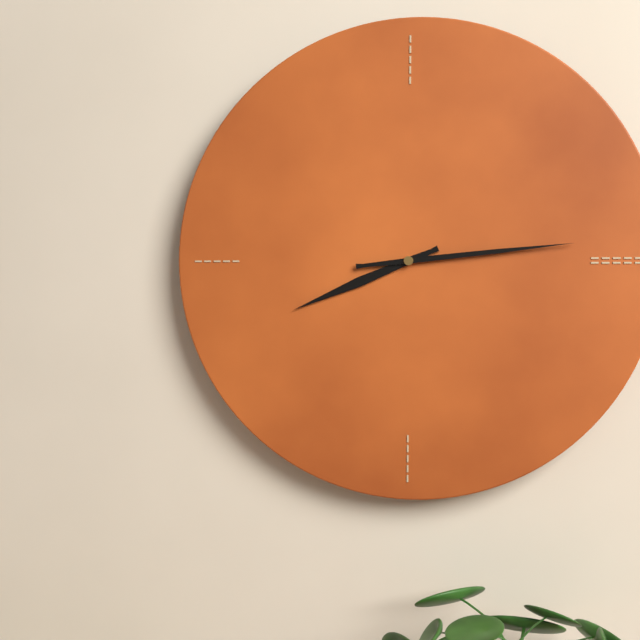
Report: 8:14
